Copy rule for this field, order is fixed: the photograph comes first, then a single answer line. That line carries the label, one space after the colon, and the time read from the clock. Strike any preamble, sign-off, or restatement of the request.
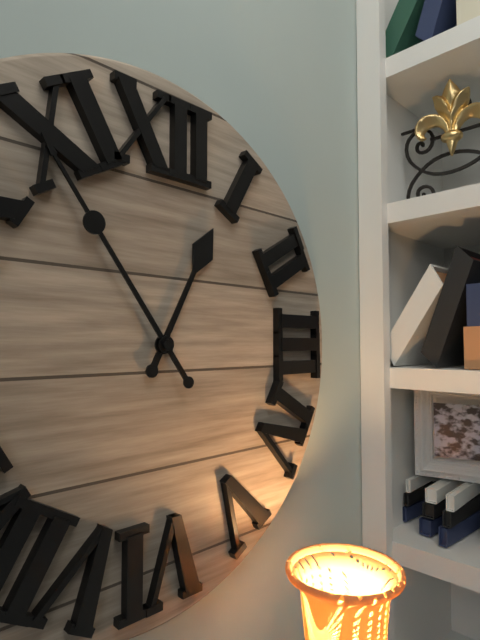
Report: 12:54
